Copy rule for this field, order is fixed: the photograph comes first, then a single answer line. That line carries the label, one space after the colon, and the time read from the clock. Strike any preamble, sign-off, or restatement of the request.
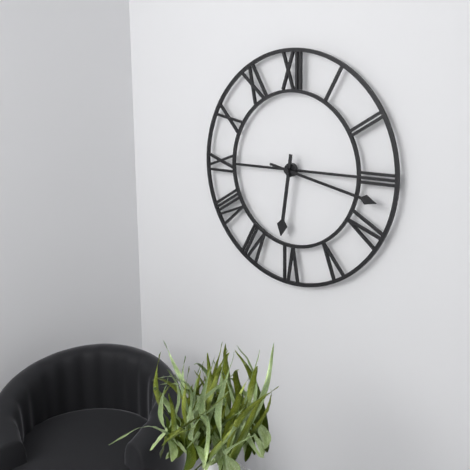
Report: 6:17
